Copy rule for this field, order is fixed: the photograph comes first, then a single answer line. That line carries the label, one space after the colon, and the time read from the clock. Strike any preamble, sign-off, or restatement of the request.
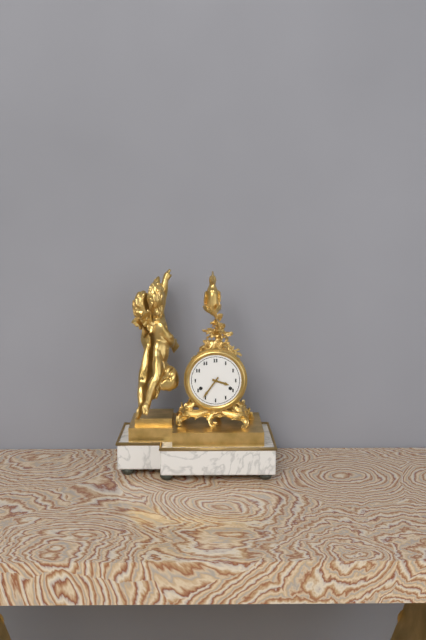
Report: 3:36
